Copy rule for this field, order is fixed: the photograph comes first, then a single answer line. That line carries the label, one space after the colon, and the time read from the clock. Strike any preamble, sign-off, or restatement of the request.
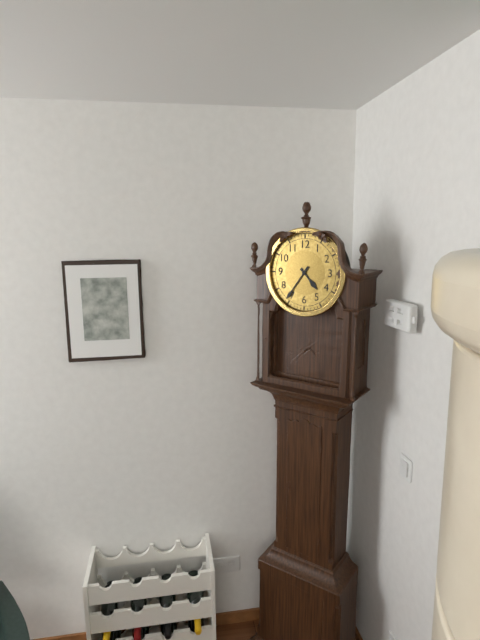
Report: 4:36
